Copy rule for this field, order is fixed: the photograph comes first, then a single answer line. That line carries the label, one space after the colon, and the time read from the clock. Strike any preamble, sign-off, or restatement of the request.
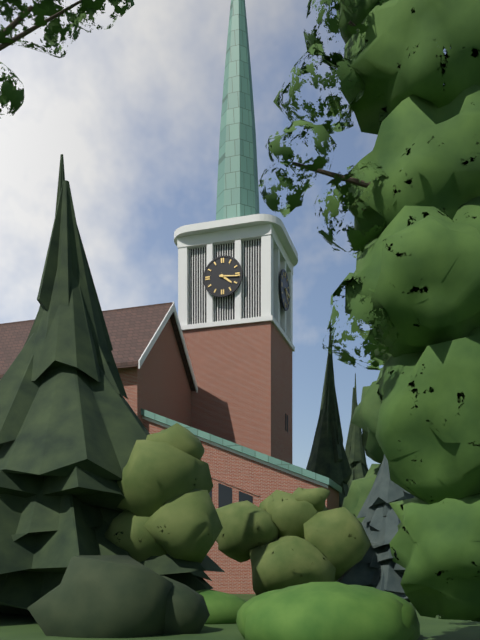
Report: 4:16
